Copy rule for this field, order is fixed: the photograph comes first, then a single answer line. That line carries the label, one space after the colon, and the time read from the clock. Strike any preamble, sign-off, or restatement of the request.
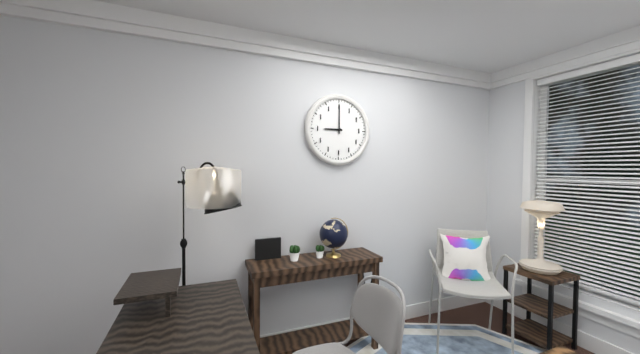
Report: 9:00
